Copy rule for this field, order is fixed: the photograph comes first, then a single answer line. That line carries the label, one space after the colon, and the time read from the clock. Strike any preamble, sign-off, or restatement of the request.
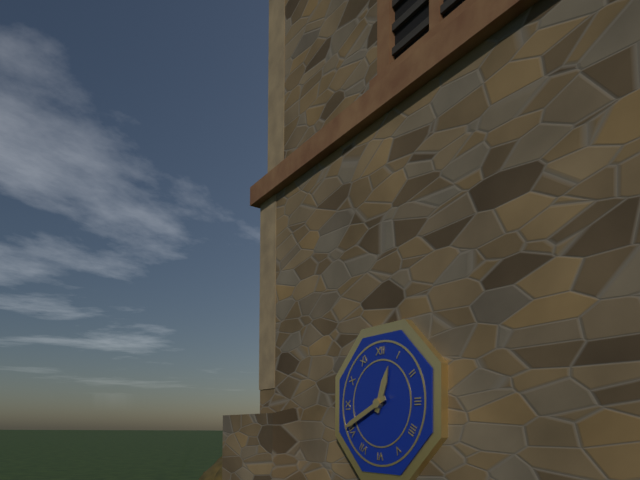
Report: 12:41
